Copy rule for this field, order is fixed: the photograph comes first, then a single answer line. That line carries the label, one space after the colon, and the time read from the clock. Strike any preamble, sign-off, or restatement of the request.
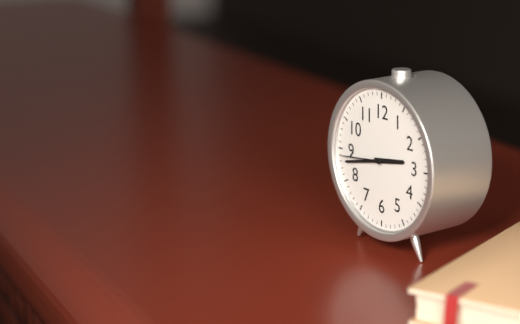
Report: 2:43
